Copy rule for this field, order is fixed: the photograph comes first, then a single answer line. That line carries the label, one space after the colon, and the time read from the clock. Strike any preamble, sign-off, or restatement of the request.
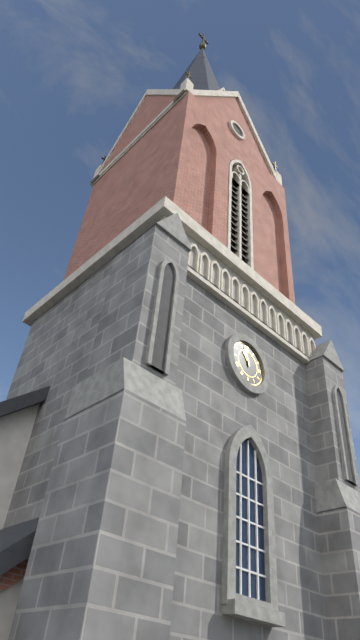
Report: 10:57
